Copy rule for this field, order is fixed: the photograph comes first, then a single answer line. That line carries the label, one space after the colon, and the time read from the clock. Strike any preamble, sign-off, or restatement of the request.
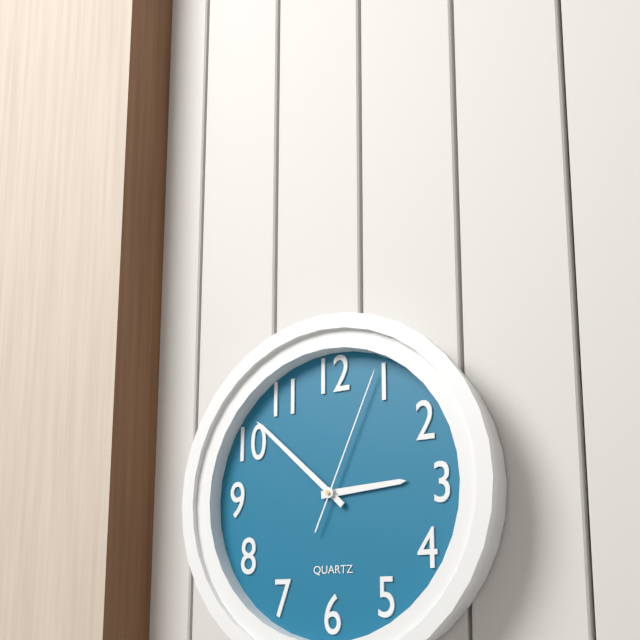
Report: 2:52:04
